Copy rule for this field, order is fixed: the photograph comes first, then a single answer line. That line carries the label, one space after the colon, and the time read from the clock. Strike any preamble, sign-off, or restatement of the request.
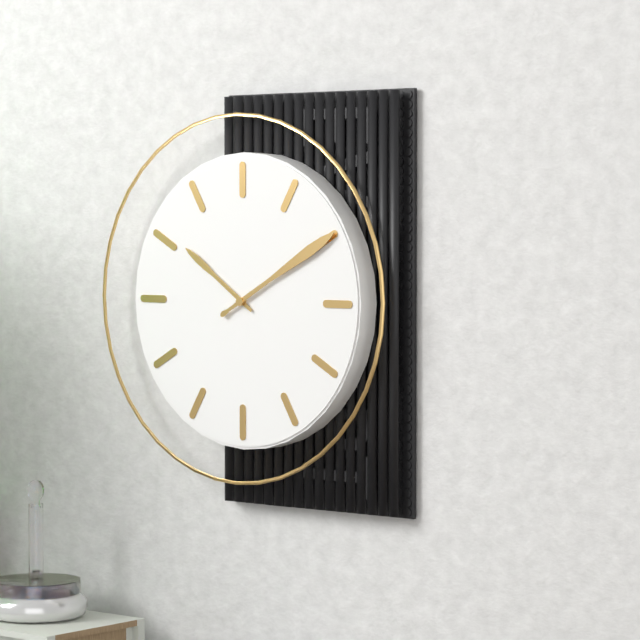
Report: 10:10
